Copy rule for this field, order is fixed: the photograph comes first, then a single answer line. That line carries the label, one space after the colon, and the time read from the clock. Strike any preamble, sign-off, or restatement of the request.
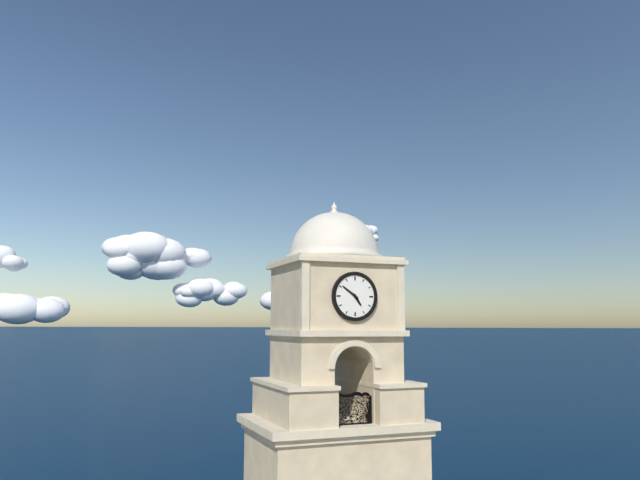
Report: 4:51
